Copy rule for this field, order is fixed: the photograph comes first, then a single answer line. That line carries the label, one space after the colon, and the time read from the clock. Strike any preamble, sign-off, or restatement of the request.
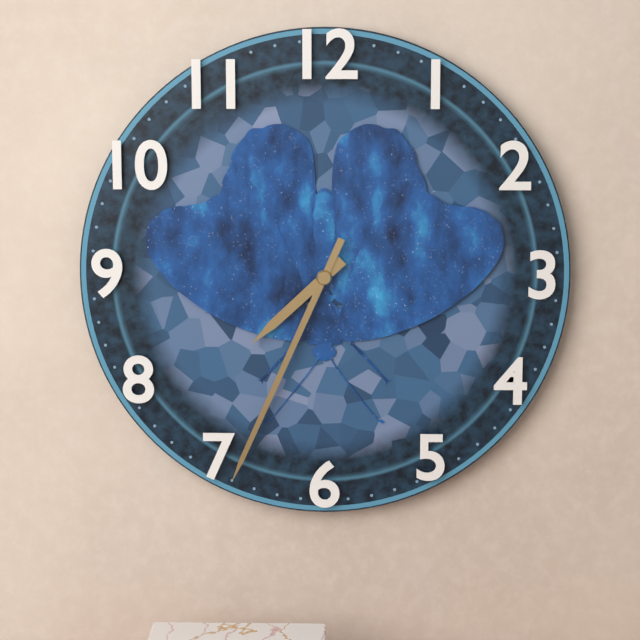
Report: 7:34
